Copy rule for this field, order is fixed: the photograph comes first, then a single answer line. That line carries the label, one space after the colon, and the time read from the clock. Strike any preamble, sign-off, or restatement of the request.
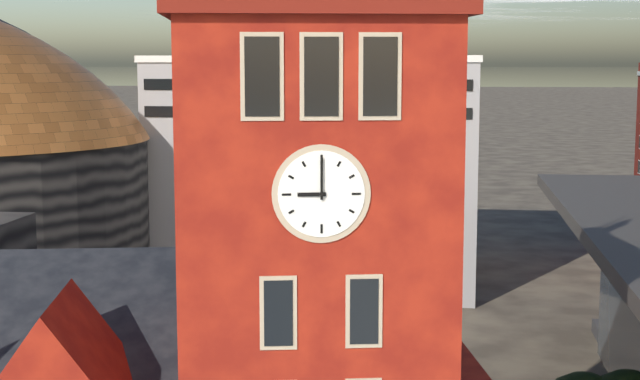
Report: 9:00
